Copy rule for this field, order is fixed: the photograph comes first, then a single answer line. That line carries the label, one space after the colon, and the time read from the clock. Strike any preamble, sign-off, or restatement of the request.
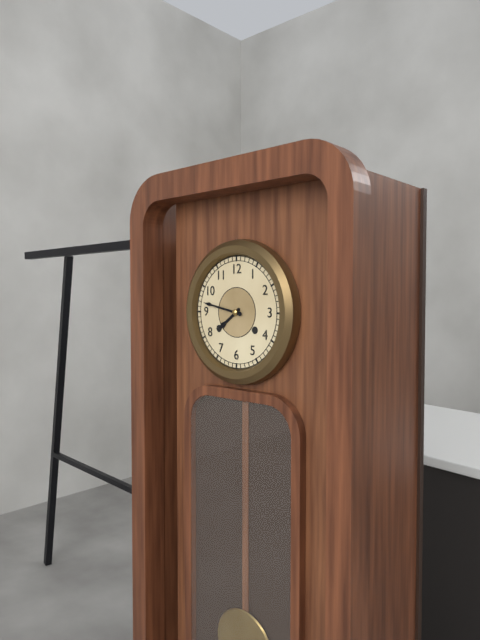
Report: 7:47
